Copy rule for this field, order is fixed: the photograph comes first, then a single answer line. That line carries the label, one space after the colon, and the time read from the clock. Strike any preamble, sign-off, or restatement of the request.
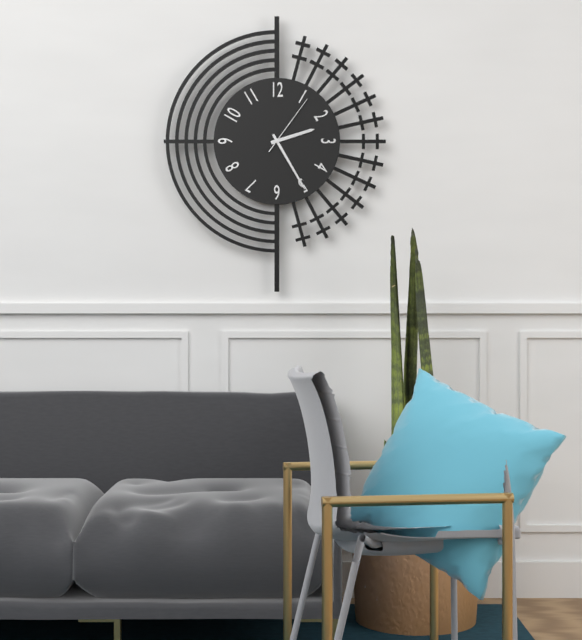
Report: 2:25:06
